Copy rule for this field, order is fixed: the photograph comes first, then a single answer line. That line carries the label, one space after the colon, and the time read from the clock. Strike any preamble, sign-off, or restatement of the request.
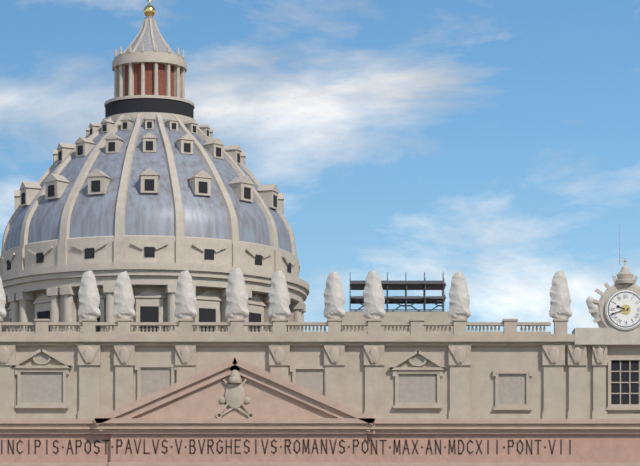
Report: 9:42
